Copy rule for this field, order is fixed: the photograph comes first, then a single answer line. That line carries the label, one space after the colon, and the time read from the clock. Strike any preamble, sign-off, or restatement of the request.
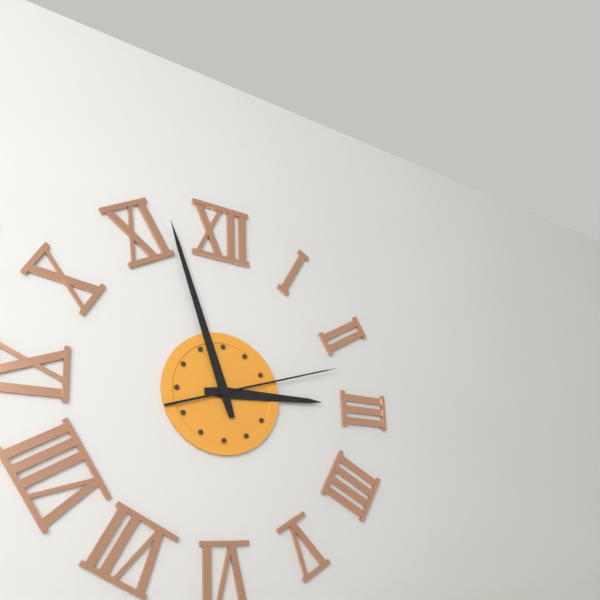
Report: 2:57:12
